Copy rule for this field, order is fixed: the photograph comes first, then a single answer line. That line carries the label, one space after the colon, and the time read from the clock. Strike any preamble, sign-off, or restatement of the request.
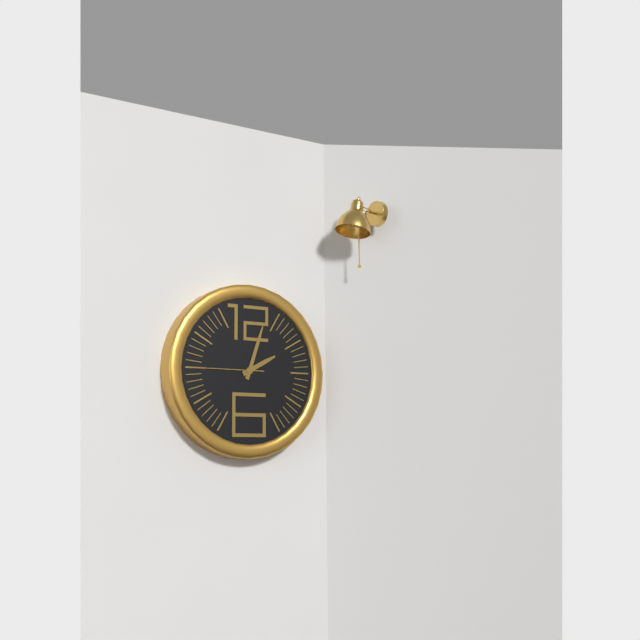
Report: 2:03:45
